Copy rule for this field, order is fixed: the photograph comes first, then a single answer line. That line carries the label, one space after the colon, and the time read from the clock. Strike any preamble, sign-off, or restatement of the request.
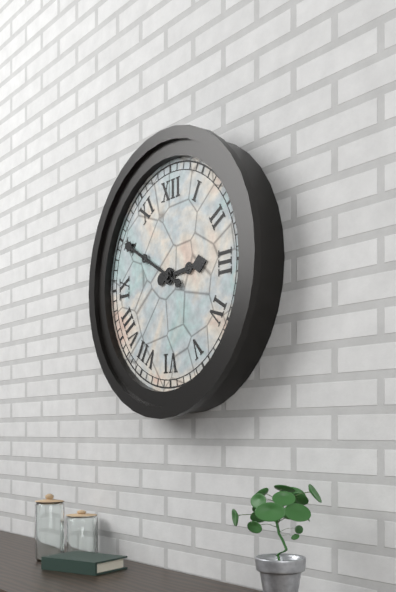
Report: 2:50
